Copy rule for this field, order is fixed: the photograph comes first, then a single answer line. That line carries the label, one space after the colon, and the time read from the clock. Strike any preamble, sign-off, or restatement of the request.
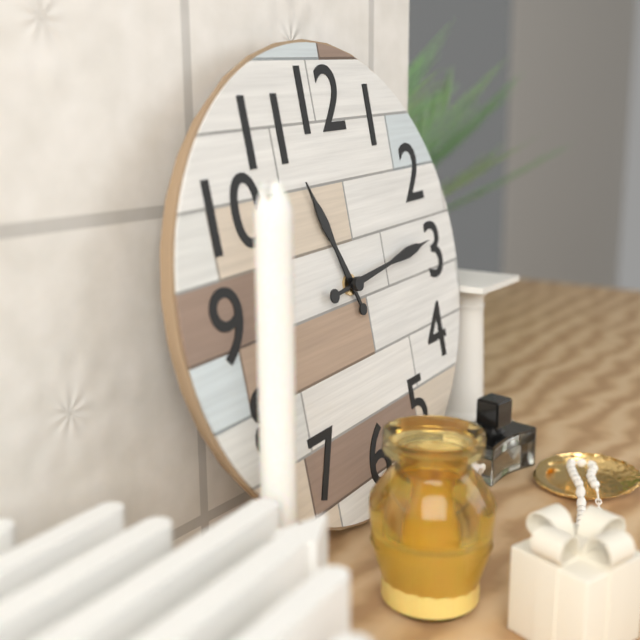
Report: 11:14
